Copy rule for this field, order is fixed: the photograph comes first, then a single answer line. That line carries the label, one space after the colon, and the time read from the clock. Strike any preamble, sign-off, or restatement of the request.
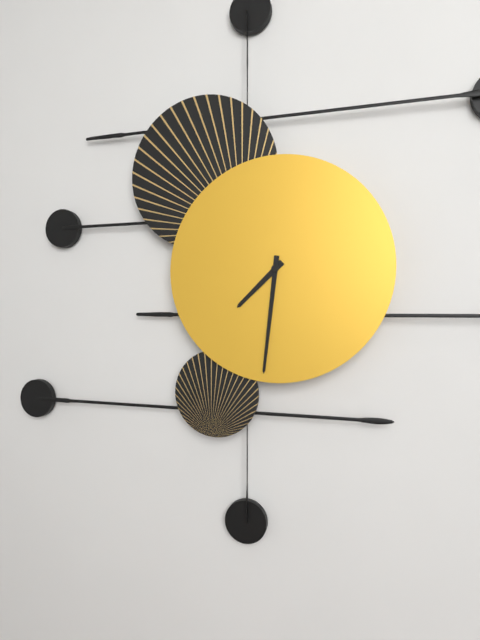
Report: 7:31
